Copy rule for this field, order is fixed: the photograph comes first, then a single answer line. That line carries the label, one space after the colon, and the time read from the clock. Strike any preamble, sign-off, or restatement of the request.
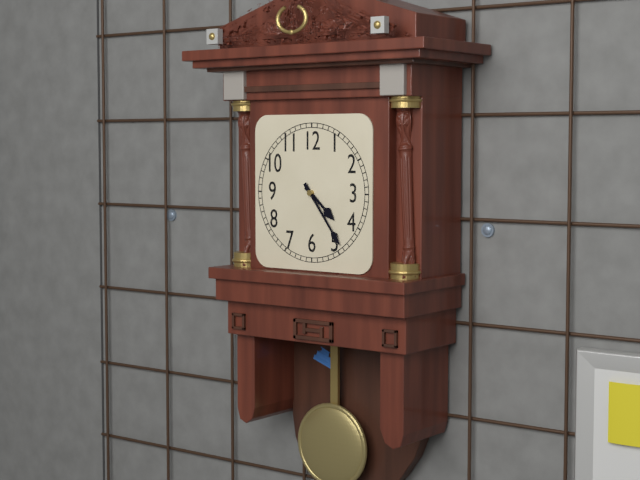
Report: 4:24
